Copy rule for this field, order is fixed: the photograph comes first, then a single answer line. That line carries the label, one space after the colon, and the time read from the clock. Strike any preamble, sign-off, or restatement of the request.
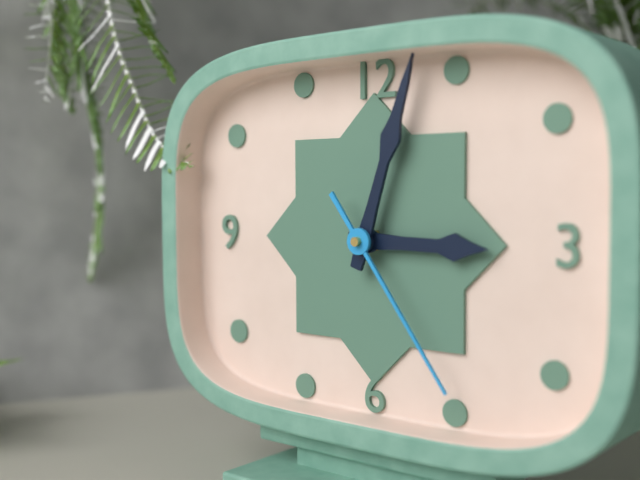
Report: 3:03:24
